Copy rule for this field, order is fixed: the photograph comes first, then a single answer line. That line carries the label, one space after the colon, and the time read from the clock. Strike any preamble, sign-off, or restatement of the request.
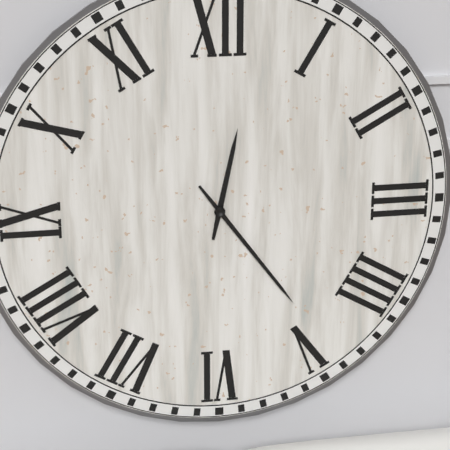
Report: 12:24
